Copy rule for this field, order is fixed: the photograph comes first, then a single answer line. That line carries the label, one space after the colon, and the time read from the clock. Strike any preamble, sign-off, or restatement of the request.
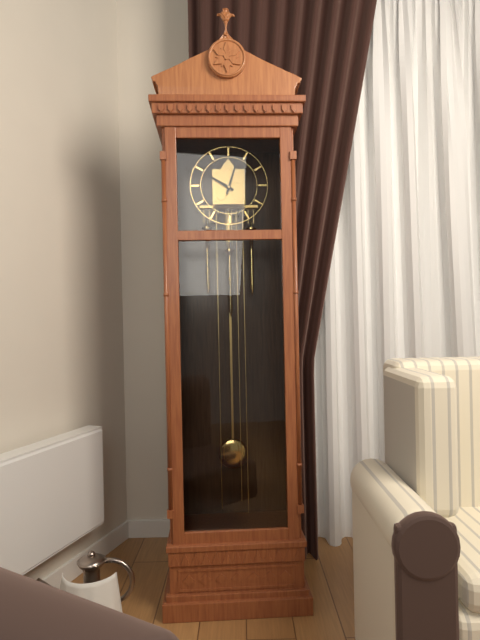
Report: 10:03
